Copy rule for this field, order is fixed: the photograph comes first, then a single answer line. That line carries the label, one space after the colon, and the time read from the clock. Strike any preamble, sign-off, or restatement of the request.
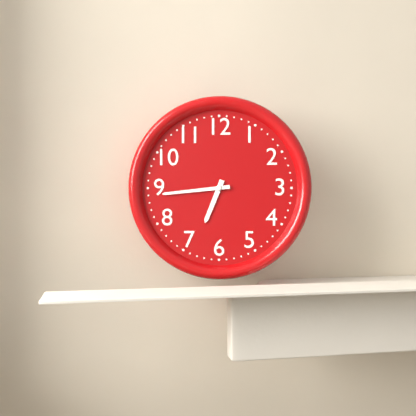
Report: 6:44
